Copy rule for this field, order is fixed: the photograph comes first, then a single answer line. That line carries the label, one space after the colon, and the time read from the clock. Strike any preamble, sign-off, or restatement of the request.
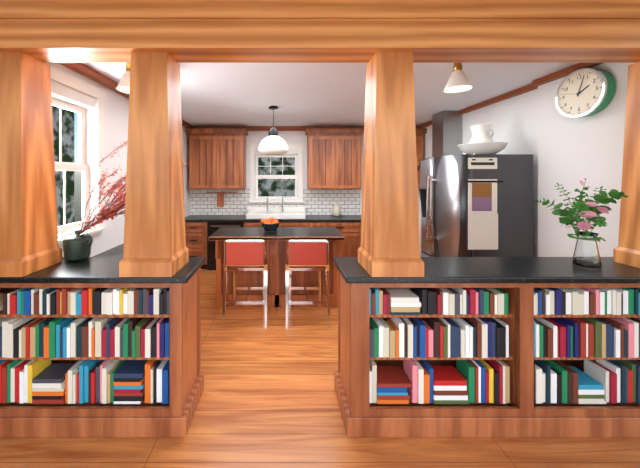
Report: 2:03
